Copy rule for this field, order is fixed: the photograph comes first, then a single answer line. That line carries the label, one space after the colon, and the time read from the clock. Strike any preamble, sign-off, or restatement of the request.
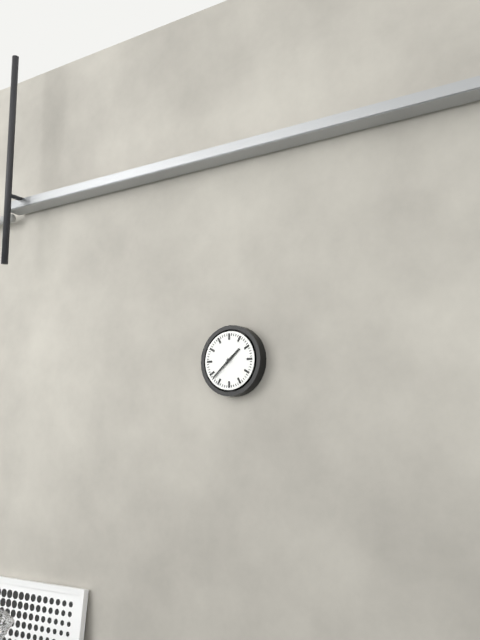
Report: 1:38
